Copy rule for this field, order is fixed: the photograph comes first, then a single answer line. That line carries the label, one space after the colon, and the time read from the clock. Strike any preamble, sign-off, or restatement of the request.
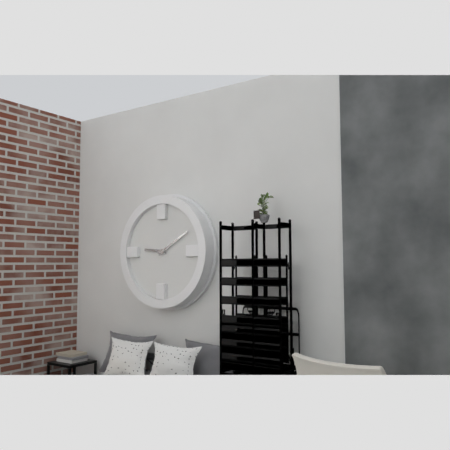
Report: 9:10
